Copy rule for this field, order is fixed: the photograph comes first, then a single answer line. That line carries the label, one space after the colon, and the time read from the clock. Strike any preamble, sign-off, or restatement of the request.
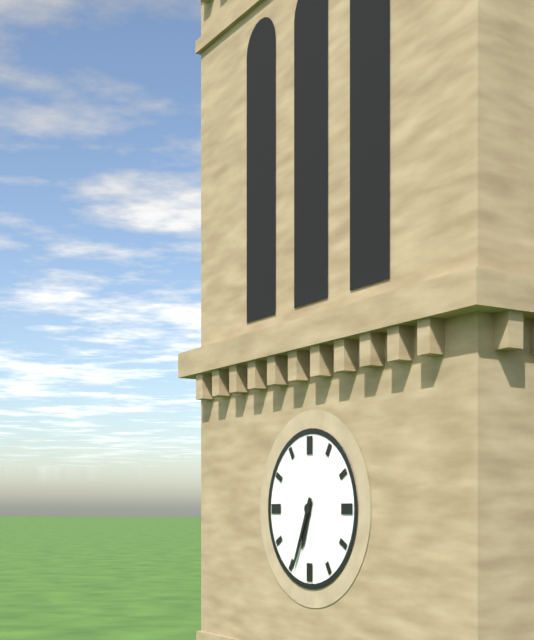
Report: 6:34
